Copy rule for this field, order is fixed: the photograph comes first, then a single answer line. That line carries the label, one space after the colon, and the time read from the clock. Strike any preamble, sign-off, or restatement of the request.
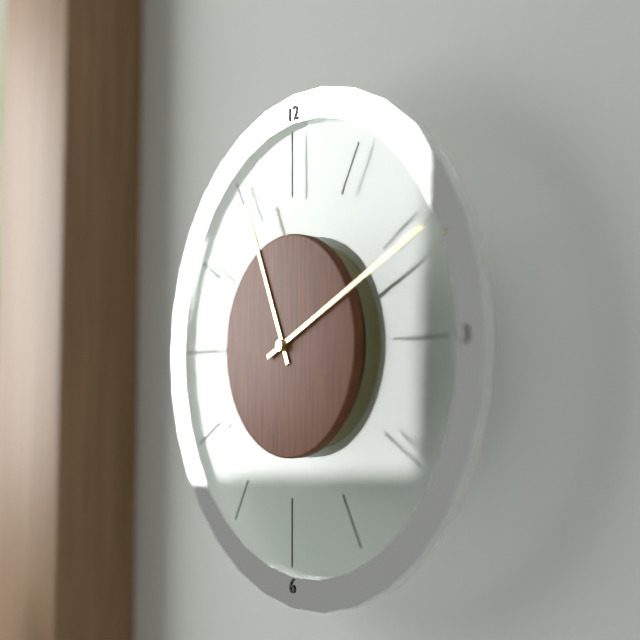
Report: 11:11
